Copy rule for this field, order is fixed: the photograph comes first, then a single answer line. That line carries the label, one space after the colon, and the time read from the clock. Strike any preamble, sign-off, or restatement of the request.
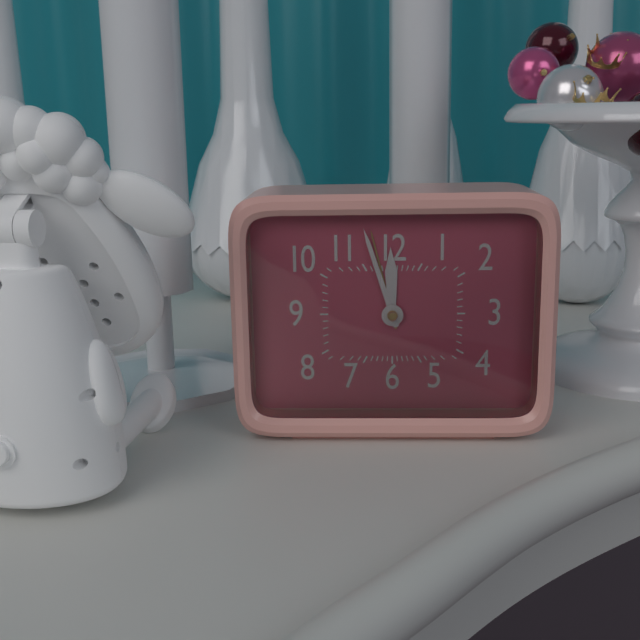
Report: 11:57
